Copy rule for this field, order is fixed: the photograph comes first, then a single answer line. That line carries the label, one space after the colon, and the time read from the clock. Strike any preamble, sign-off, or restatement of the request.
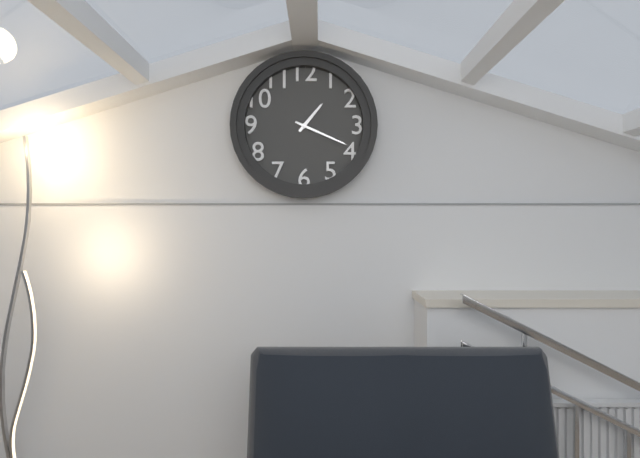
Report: 1:19
